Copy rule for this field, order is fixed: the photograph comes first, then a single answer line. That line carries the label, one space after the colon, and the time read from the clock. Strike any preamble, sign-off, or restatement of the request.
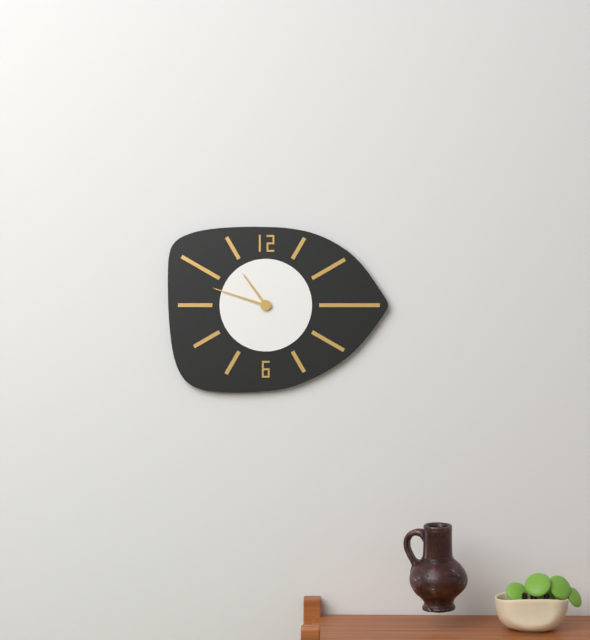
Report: 10:48
